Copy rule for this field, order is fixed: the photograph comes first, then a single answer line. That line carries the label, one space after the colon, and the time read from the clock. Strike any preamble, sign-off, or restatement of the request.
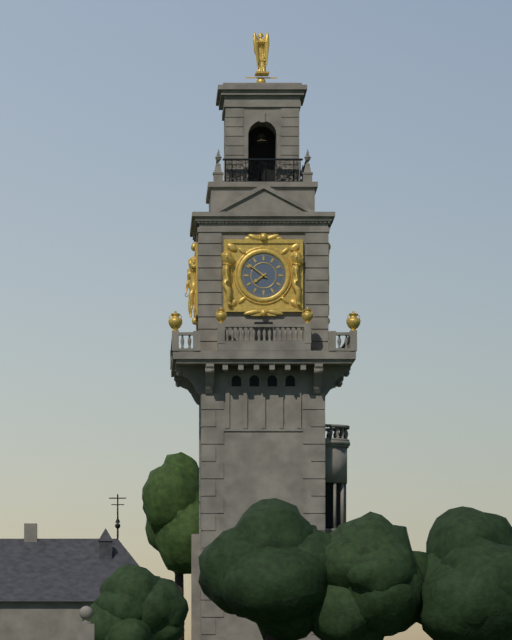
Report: 7:51
